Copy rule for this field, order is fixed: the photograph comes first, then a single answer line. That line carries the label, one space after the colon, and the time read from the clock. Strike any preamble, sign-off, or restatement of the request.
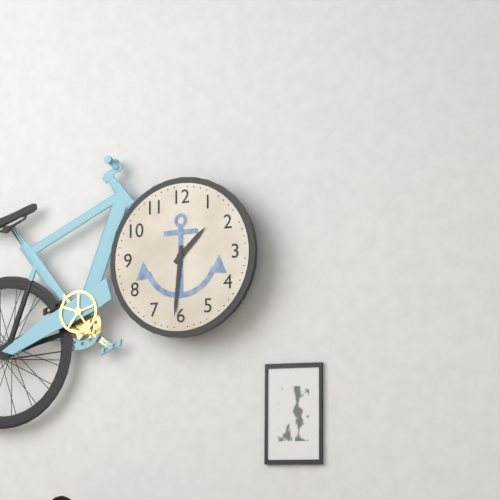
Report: 1:31
